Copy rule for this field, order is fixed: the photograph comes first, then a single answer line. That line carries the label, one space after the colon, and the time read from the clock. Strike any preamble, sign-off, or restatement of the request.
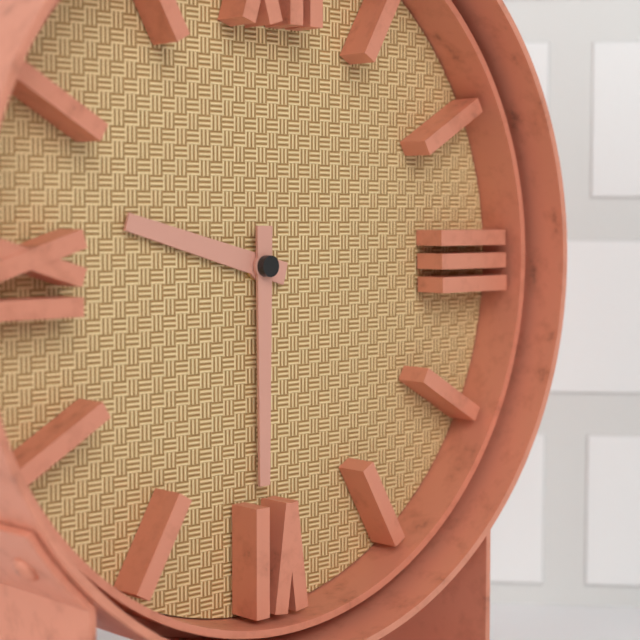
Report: 9:30
